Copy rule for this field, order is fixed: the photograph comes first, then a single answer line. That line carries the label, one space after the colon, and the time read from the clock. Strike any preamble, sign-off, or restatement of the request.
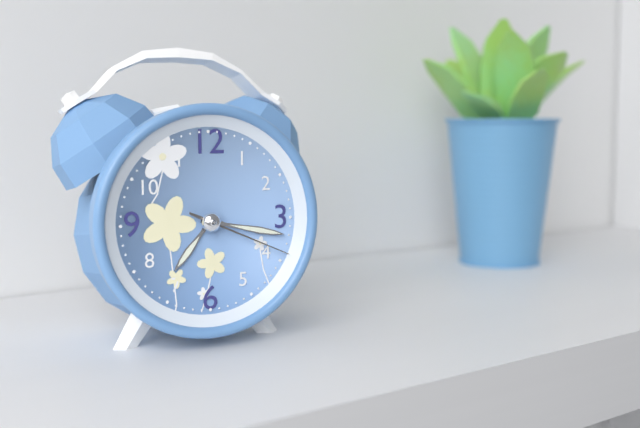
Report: 7:17:19
